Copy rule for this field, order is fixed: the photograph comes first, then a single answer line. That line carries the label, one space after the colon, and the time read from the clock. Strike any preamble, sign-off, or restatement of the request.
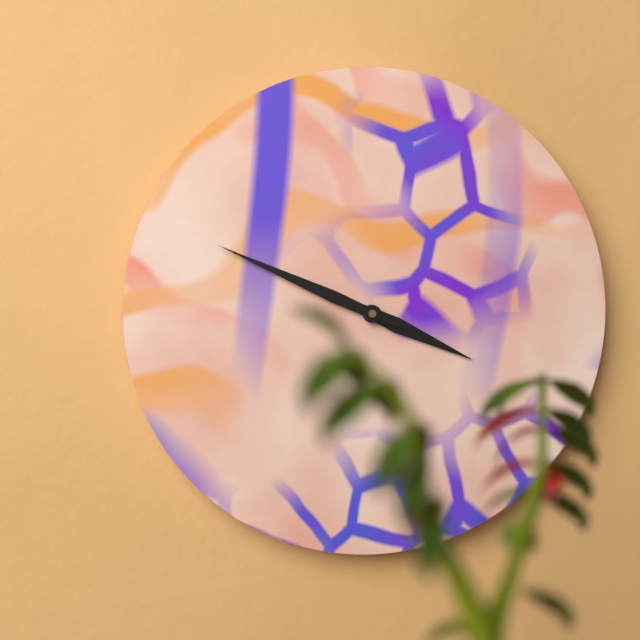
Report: 3:49
